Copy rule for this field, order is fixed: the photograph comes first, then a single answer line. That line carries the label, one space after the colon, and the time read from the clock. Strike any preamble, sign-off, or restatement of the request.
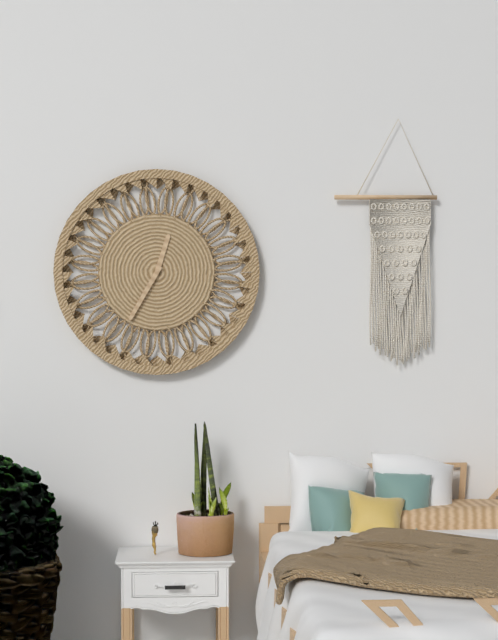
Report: 12:35
